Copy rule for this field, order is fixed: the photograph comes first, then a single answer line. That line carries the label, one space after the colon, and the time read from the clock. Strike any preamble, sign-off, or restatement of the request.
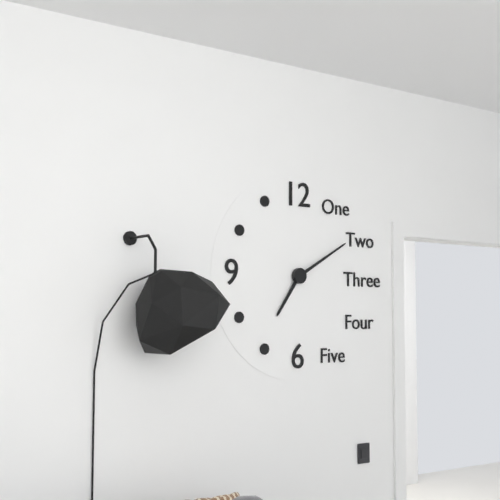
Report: 7:10
